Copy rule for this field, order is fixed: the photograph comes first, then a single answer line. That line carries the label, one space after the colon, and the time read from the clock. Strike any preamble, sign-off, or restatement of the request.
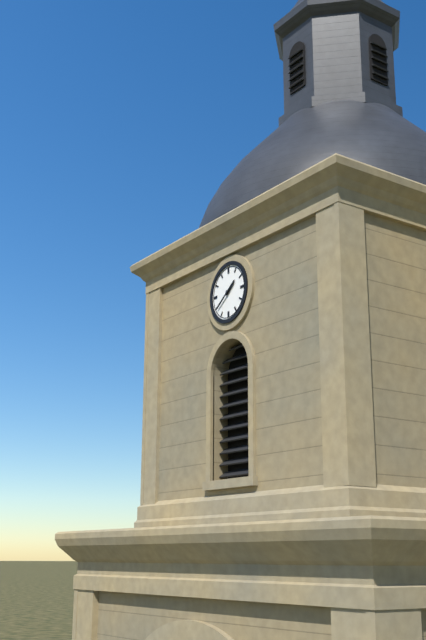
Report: 1:39
